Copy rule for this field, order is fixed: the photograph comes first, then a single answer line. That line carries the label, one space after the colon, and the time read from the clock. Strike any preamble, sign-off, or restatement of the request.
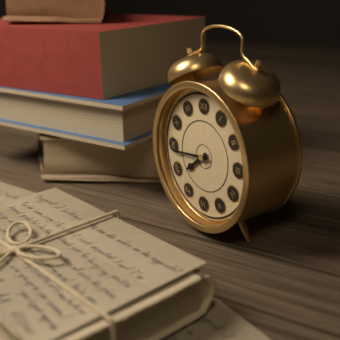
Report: 7:44
